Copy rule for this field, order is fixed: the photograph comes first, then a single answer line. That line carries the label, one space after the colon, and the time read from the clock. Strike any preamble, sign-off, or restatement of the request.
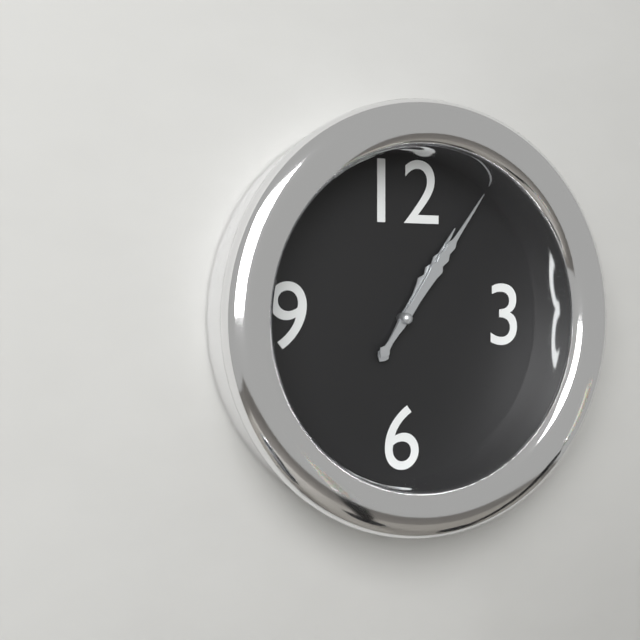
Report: 1:06
